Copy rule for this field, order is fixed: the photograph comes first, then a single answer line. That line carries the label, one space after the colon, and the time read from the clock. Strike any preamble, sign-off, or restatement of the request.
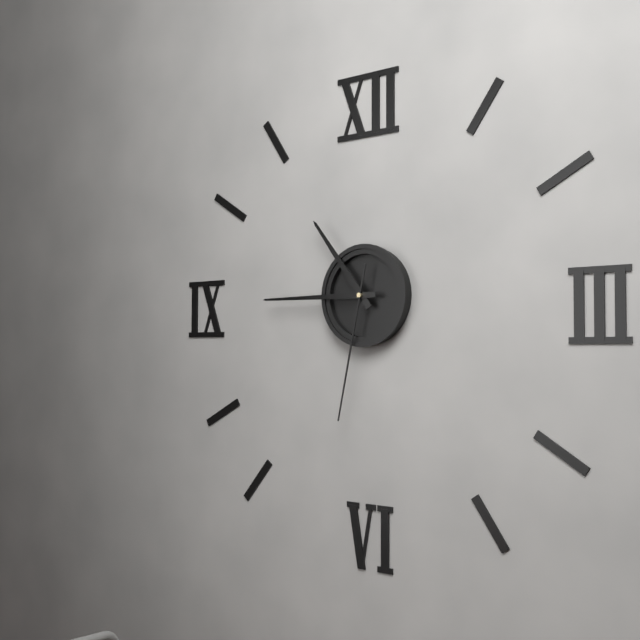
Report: 10:45:32
